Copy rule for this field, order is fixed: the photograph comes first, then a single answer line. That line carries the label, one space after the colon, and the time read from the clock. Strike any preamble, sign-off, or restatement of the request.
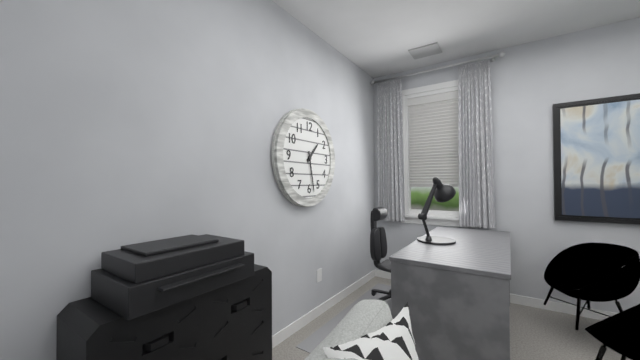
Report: 1:28
